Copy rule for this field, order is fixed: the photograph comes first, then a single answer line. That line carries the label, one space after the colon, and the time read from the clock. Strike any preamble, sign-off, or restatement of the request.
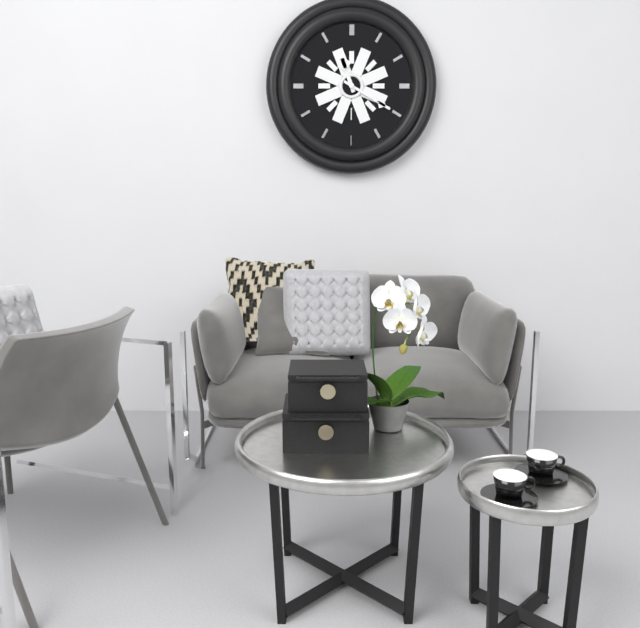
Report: 11:20
